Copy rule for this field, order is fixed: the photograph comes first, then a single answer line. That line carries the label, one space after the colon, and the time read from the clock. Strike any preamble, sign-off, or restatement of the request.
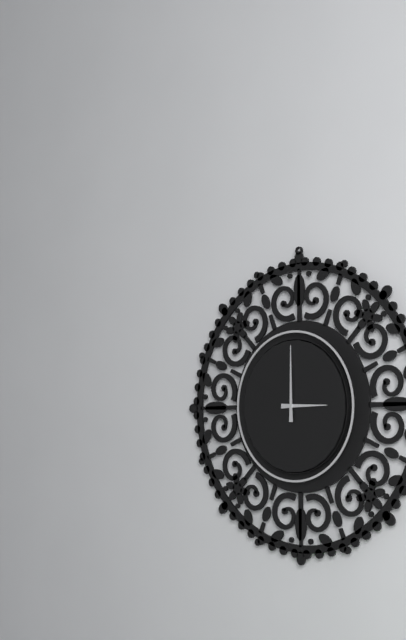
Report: 3:00
